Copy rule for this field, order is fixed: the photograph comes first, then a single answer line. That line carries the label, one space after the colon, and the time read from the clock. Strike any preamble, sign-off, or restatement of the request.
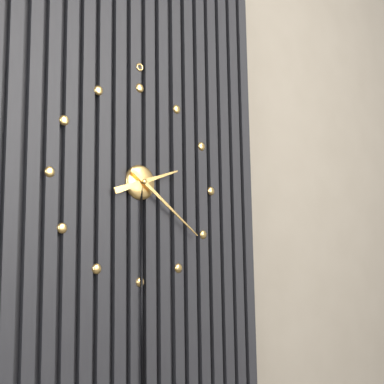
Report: 2:21
